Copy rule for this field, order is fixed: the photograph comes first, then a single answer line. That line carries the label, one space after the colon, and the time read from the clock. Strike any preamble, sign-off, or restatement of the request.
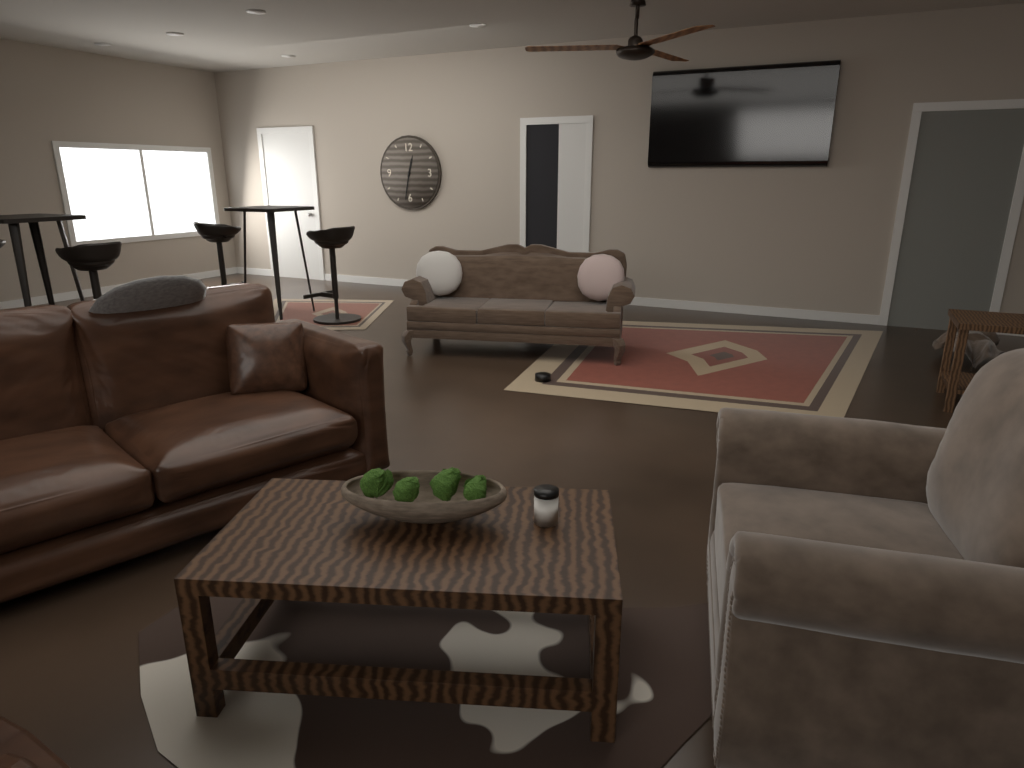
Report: 12:32
